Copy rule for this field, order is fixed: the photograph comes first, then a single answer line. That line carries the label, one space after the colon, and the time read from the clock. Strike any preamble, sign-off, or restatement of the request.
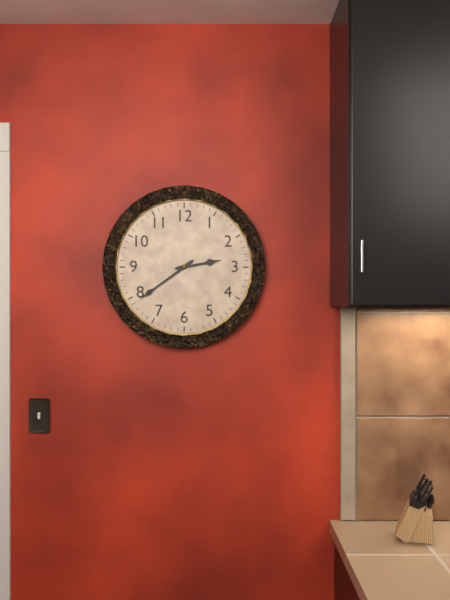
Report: 2:39
